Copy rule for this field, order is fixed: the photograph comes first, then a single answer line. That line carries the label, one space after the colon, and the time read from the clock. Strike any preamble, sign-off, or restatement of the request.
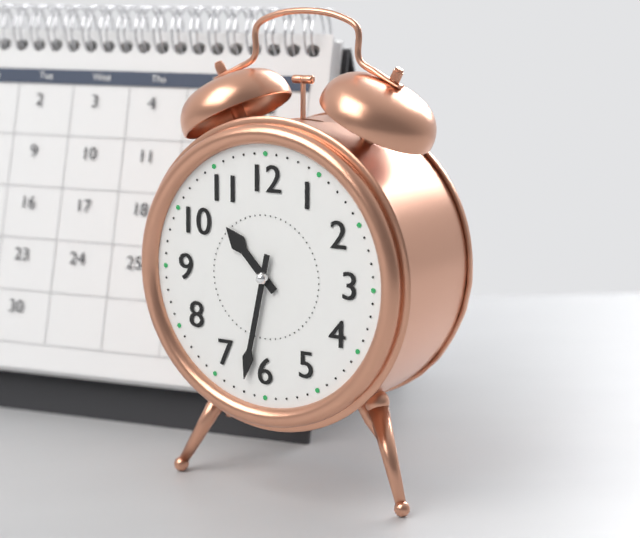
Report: 10:32
